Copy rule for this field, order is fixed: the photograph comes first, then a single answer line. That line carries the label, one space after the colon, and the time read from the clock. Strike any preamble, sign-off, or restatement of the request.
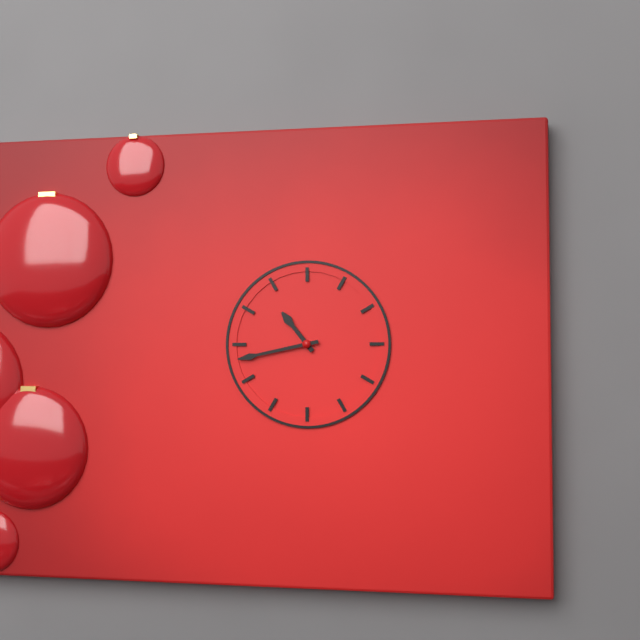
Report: 10:43
